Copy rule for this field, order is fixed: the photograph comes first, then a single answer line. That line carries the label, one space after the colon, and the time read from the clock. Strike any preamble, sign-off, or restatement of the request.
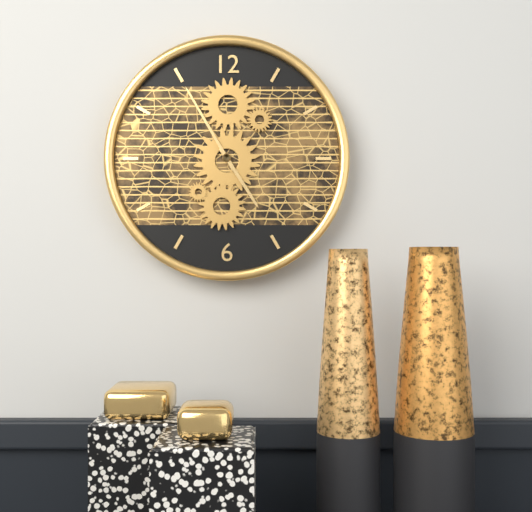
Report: 4:55
